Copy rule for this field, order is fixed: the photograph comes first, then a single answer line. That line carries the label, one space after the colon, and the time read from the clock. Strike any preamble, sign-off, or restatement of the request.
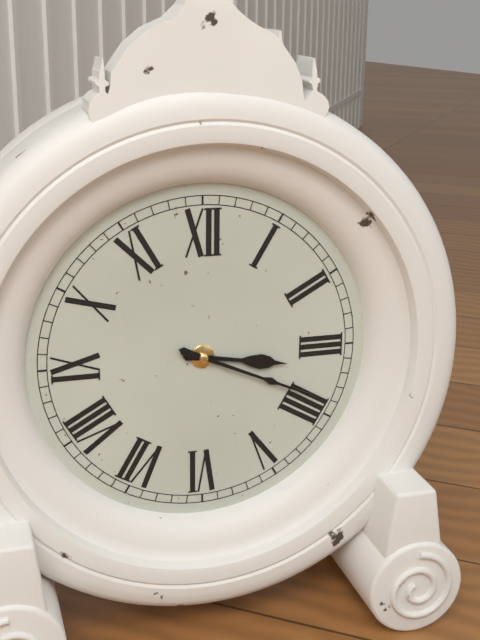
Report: 3:19
